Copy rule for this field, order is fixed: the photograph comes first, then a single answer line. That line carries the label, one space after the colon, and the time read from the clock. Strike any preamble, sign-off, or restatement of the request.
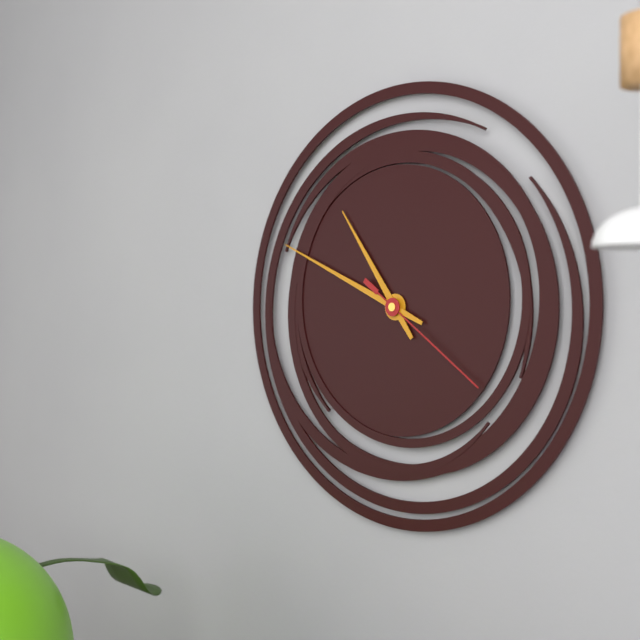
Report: 10:49:21
